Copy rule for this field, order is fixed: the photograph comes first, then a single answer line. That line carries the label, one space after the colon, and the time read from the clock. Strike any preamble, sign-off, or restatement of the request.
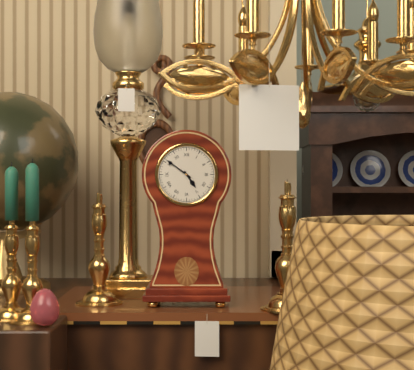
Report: 4:51
